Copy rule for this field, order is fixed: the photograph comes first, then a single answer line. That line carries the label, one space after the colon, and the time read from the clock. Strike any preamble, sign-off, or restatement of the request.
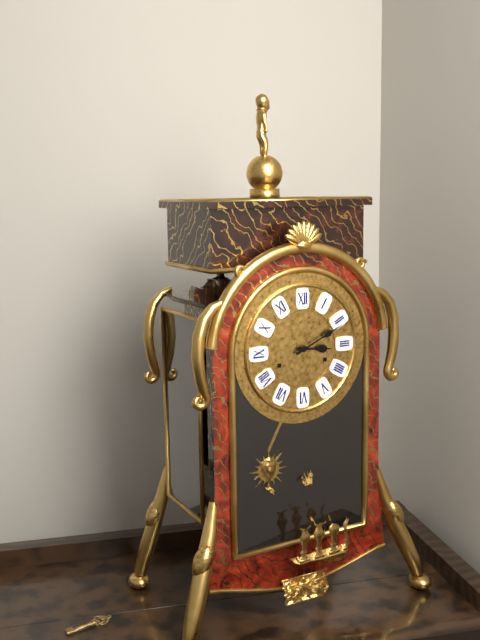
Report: 3:11
